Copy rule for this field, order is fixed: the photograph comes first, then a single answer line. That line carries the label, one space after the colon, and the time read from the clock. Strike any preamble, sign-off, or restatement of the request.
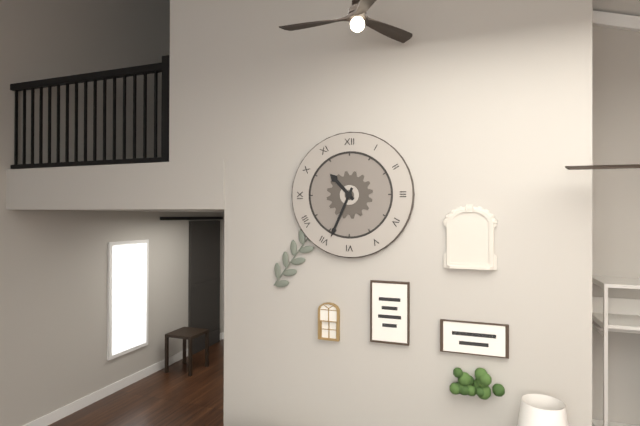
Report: 10:34
